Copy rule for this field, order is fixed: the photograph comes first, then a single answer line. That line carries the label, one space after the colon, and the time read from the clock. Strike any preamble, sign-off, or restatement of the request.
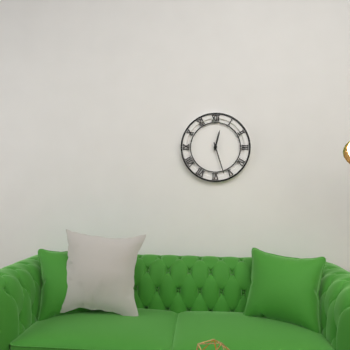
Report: 12:27
